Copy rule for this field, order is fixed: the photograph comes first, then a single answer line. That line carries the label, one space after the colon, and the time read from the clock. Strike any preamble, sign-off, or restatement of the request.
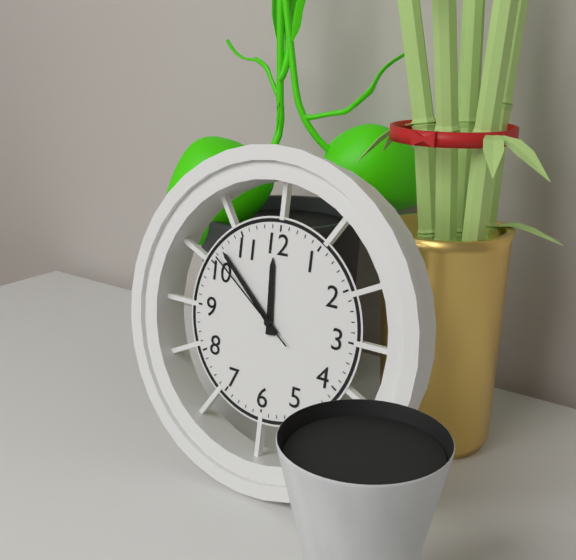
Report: 11:52:51
